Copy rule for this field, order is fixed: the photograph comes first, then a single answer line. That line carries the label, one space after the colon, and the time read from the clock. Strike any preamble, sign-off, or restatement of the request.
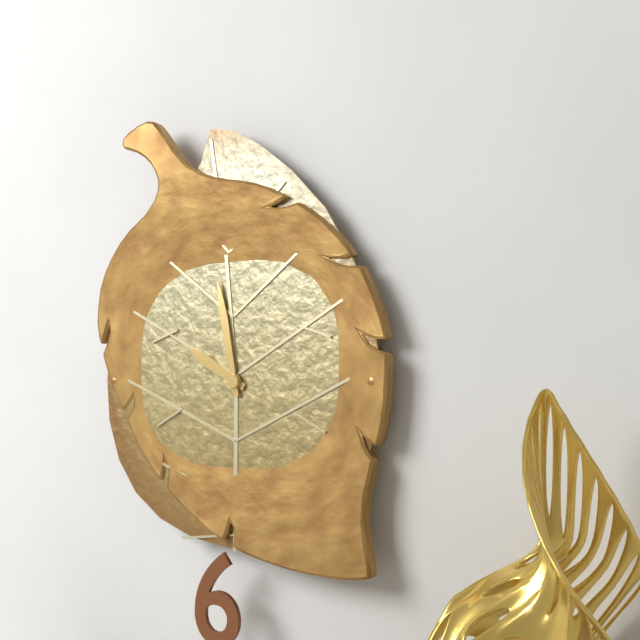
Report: 9:58
